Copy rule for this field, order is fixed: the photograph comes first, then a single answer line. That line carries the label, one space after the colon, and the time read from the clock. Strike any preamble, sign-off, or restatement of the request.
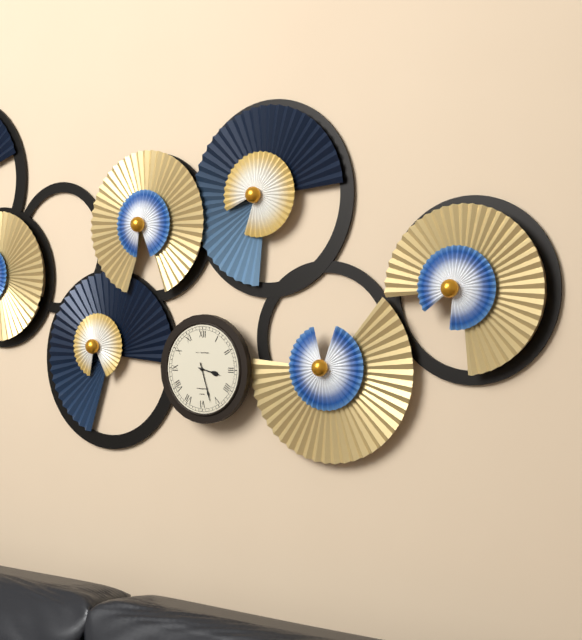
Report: 3:27
